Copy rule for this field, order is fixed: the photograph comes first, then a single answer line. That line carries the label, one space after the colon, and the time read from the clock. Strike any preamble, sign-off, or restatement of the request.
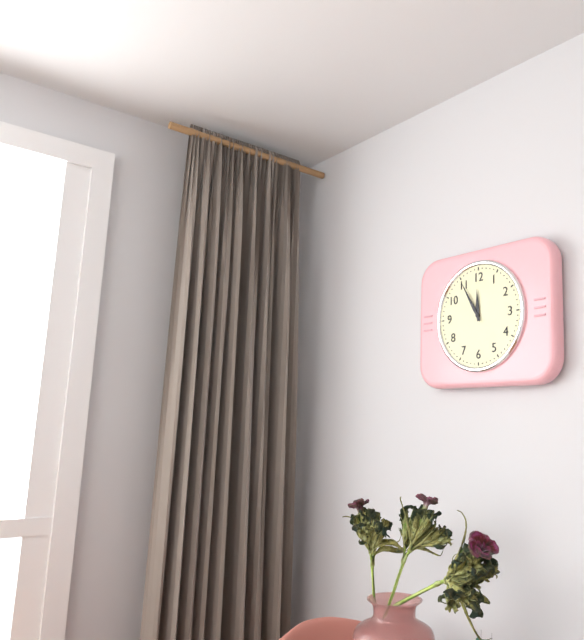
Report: 11:55
